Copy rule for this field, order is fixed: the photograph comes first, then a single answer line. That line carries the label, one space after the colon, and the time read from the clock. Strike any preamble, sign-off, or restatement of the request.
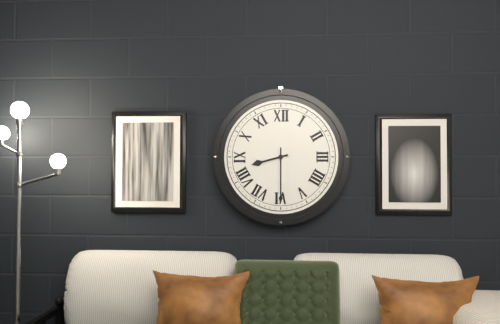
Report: 8:30
